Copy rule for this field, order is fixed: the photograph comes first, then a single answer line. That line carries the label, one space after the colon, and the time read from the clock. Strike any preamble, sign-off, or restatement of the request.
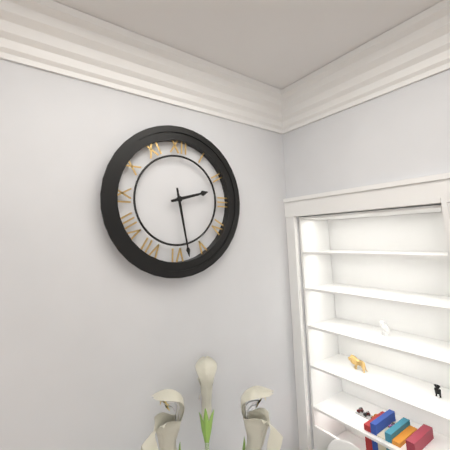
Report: 2:28
